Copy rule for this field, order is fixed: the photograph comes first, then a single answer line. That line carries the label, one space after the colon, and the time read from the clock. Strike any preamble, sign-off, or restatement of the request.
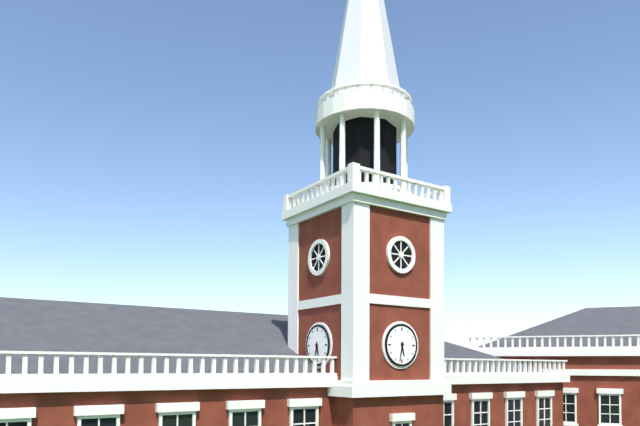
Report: 5:32
